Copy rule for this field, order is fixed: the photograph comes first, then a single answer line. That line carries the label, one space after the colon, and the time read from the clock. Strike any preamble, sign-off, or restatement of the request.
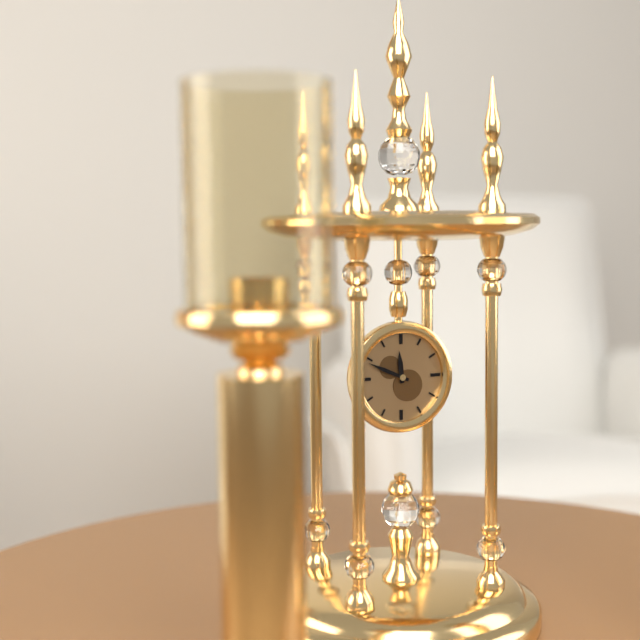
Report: 11:49
